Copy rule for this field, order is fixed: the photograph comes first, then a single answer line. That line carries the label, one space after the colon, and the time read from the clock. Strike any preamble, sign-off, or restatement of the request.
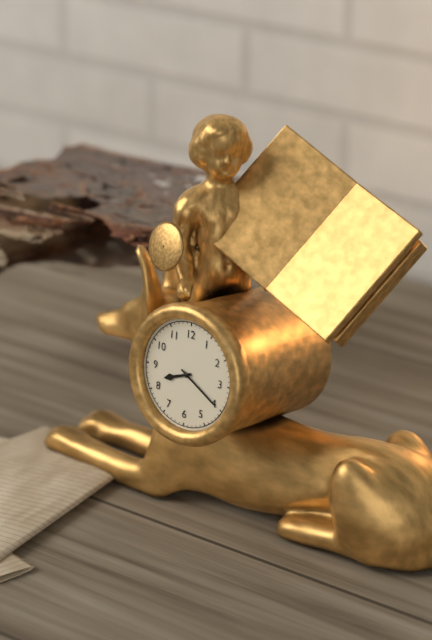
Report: 8:20
